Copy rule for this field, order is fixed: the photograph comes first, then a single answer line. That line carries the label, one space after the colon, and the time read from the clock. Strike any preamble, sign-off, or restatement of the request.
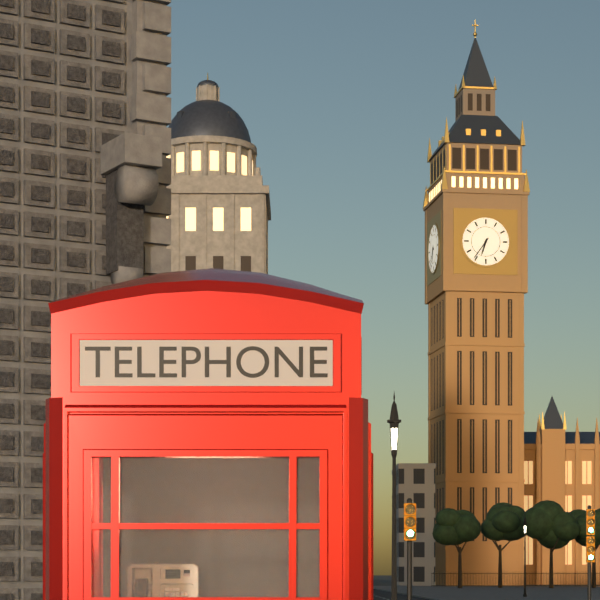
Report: 6:36
